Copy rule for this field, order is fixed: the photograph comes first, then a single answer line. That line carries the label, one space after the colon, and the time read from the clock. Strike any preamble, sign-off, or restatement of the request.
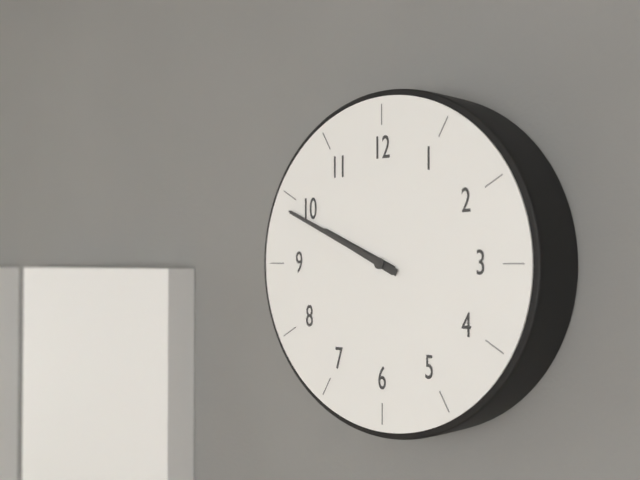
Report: 9:49
